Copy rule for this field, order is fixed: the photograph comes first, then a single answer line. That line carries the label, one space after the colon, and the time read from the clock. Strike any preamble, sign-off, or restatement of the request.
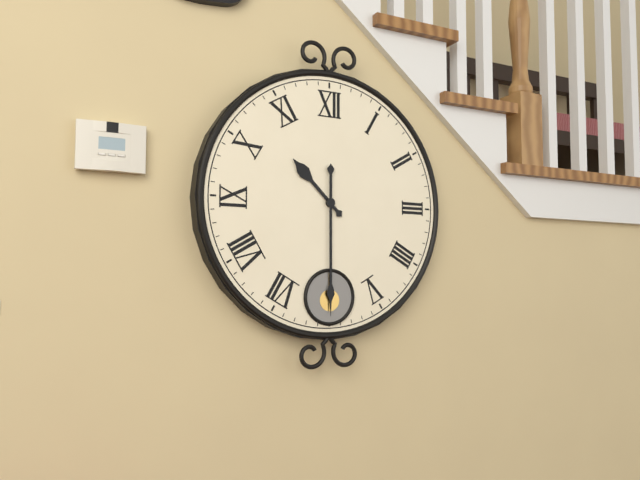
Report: 10:30
